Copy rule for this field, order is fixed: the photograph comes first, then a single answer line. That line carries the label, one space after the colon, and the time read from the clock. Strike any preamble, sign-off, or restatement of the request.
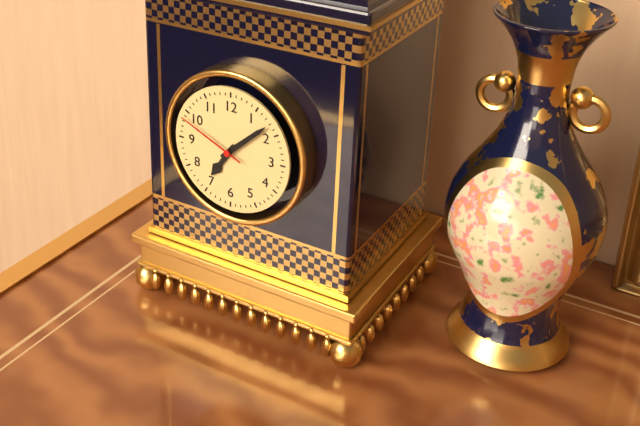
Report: 7:08:49
